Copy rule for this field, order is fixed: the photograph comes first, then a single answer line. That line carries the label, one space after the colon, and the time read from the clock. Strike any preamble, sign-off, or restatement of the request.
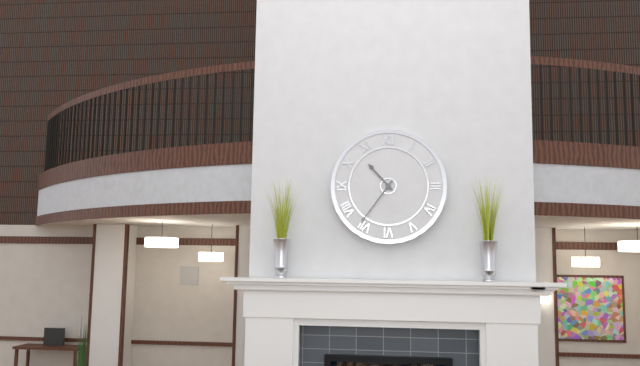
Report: 10:36
